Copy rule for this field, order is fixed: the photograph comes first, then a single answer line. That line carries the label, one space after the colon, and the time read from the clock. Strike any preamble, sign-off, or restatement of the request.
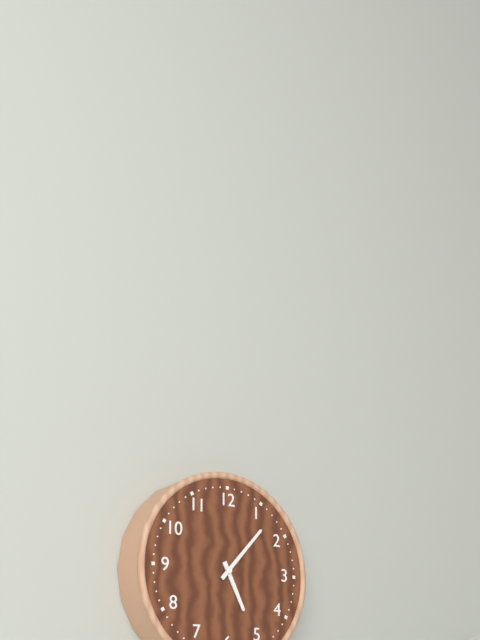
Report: 5:07
